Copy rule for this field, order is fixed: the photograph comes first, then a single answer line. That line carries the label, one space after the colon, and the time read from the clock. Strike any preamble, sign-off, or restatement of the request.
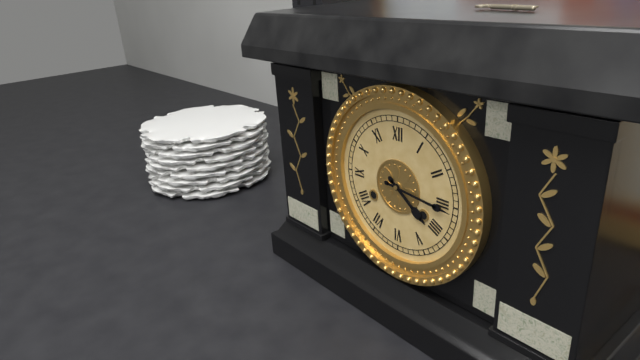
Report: 4:16
